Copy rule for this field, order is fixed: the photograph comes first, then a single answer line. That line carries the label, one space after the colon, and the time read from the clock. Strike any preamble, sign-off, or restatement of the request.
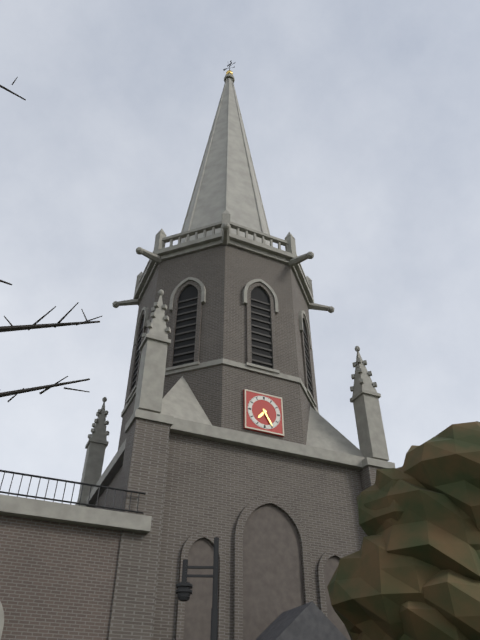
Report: 7:25
